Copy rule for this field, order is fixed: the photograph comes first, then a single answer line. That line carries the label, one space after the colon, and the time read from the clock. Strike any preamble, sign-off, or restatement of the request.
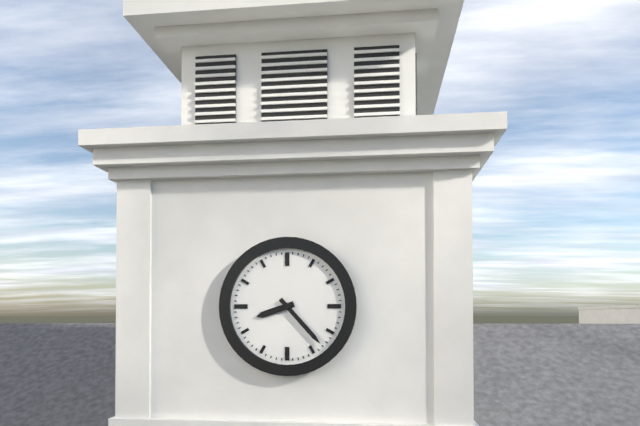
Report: 8:23
